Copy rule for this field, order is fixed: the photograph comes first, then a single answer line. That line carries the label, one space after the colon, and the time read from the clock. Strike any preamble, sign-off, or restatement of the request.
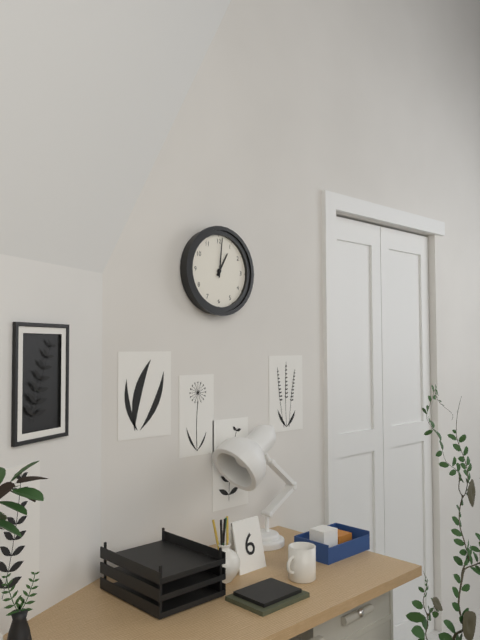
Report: 1:01
